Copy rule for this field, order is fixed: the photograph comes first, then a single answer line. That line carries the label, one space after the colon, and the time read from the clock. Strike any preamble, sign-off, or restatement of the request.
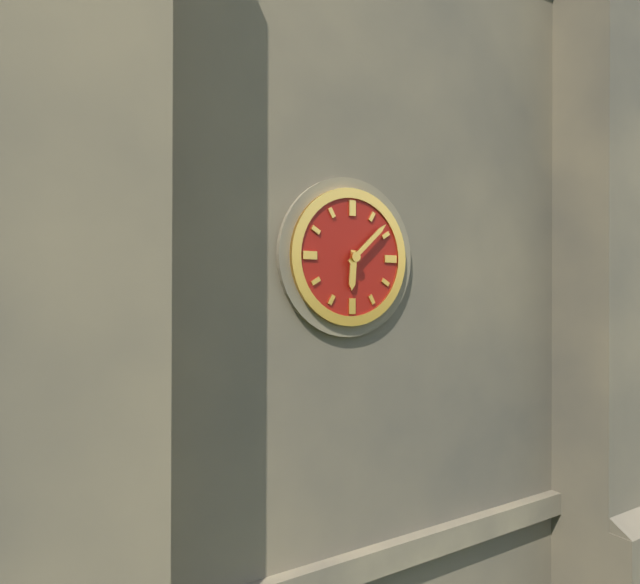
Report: 6:08
